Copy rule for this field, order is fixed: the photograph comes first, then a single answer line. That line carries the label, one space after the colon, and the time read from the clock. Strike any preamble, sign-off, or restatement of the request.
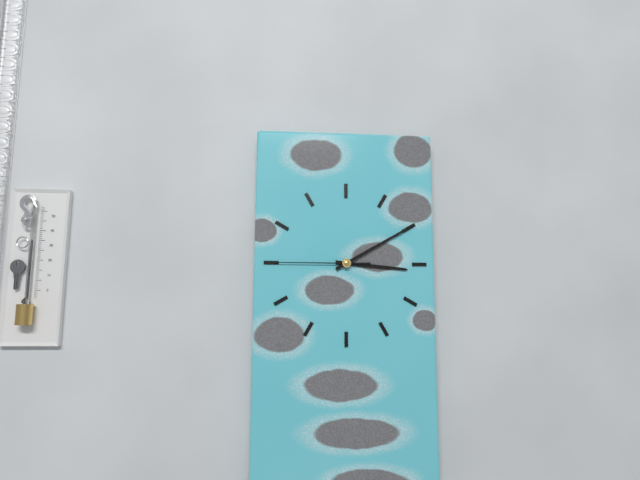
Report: 3:10:45
